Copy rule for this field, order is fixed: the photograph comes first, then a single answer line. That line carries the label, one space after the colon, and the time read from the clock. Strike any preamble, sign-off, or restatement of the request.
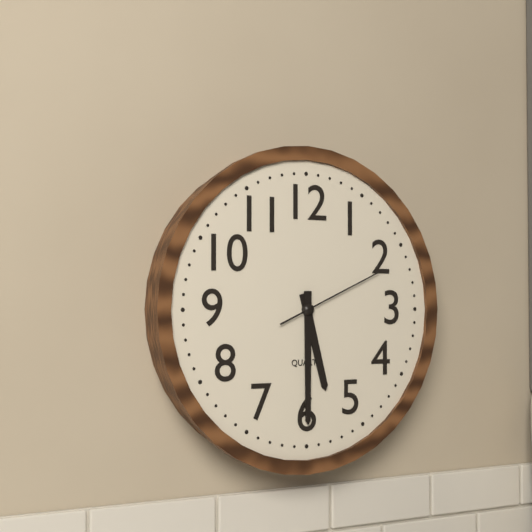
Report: 5:30:11
